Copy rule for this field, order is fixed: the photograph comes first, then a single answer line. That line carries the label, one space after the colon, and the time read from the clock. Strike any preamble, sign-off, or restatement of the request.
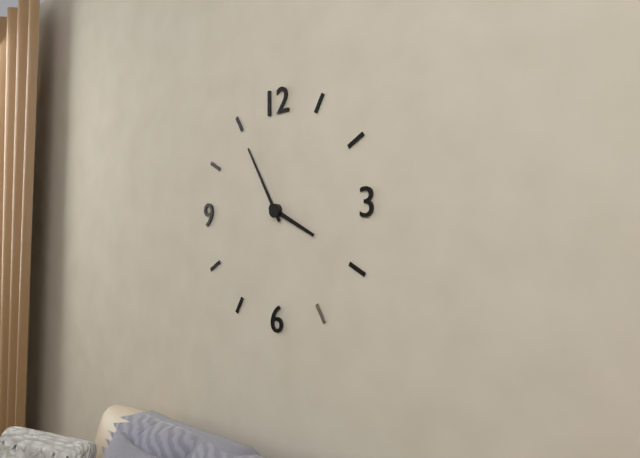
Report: 3:55
